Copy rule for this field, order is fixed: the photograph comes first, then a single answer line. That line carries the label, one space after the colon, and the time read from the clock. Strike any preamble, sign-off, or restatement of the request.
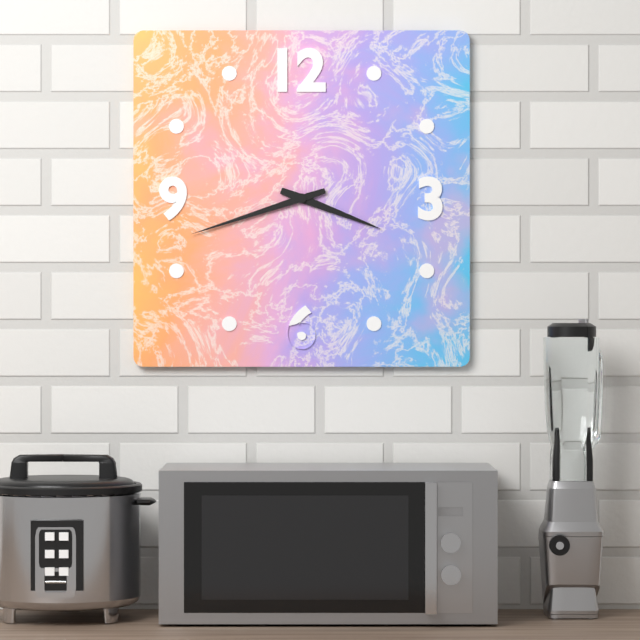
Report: 3:42
